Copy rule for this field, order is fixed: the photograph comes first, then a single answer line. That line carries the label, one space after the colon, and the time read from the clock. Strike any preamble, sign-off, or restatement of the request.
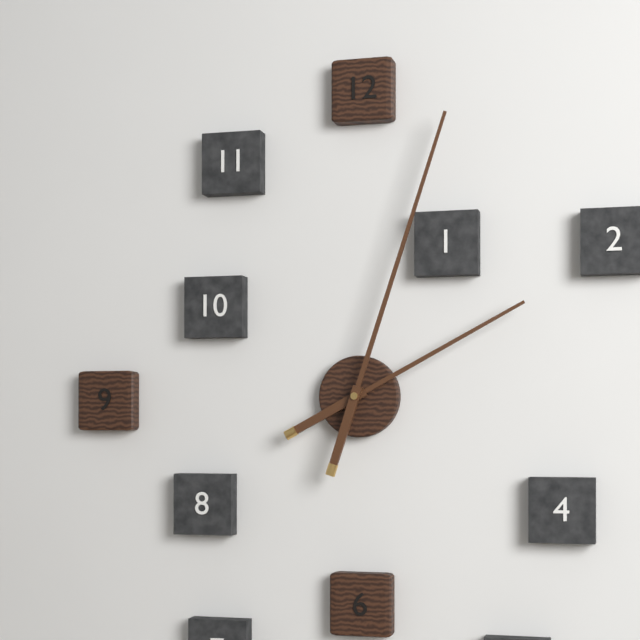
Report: 2:03
